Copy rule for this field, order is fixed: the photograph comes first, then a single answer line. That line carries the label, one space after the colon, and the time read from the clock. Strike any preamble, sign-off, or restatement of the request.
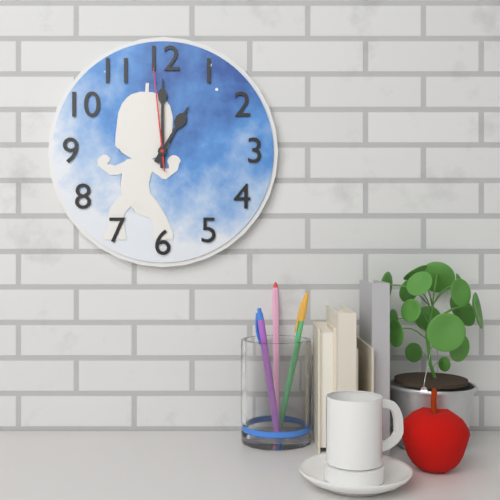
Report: 1:00:59
